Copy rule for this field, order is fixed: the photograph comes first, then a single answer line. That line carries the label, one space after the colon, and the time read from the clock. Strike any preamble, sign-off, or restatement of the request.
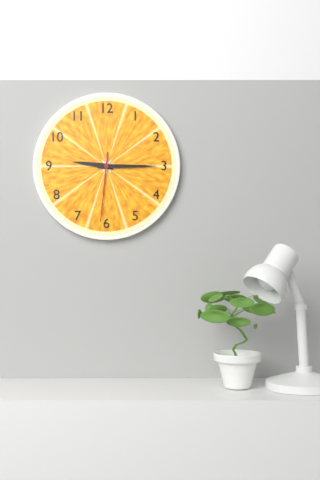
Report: 9:15:31
